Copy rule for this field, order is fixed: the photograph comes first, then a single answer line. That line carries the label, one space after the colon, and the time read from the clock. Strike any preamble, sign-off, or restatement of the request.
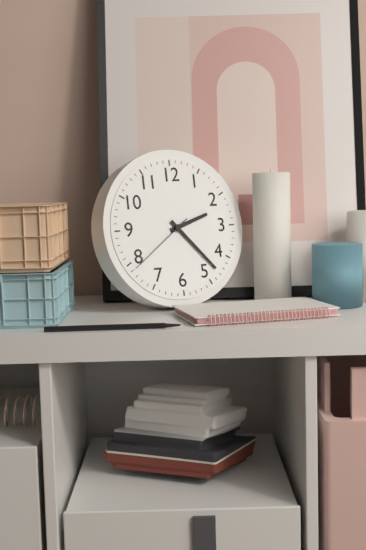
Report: 2:23:39
